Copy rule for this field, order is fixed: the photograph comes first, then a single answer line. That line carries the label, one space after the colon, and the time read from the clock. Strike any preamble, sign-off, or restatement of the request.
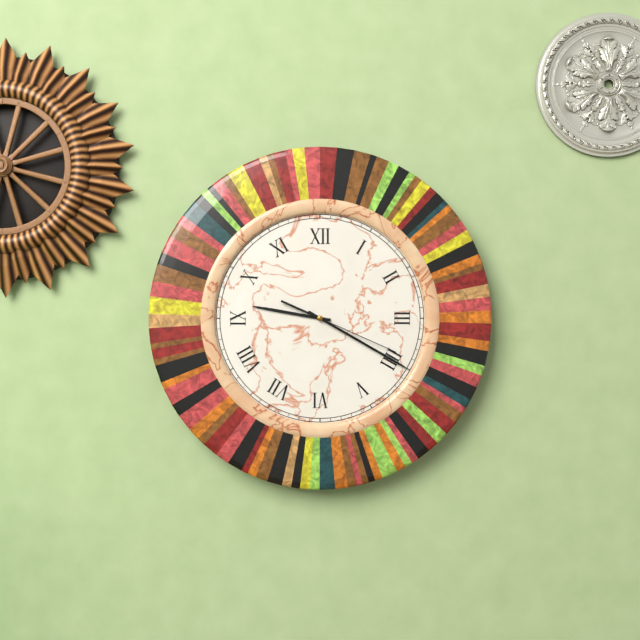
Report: 9:20:19
